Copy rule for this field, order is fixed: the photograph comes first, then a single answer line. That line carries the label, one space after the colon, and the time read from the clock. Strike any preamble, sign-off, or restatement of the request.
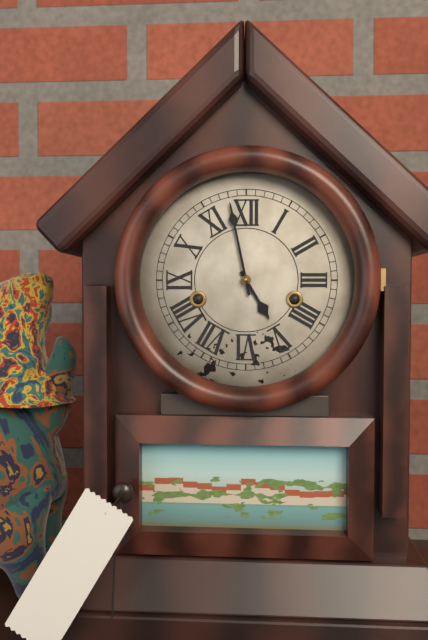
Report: 4:58
